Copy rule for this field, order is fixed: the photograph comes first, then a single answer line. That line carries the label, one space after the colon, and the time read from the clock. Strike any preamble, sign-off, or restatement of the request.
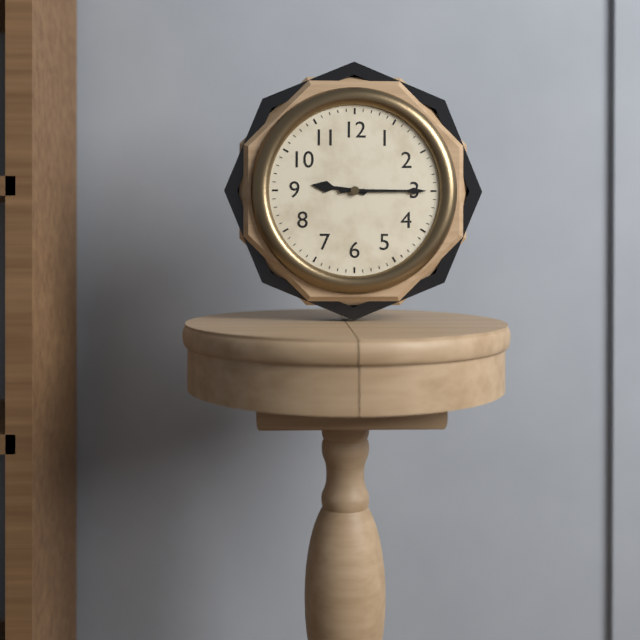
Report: 9:15
